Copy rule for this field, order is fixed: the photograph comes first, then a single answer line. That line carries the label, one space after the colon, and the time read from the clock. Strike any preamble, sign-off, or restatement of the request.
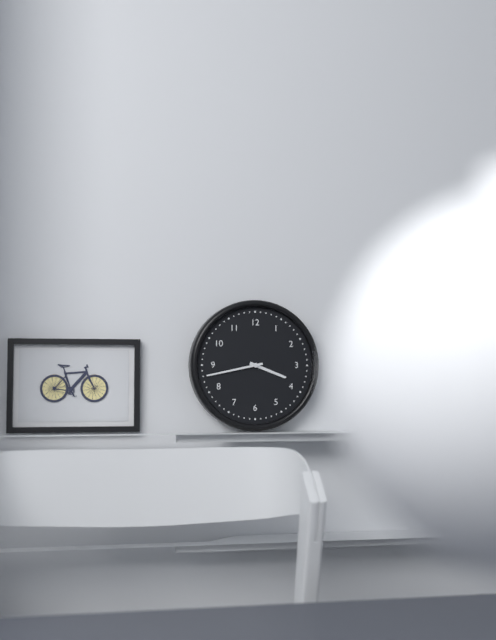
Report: 3:43
